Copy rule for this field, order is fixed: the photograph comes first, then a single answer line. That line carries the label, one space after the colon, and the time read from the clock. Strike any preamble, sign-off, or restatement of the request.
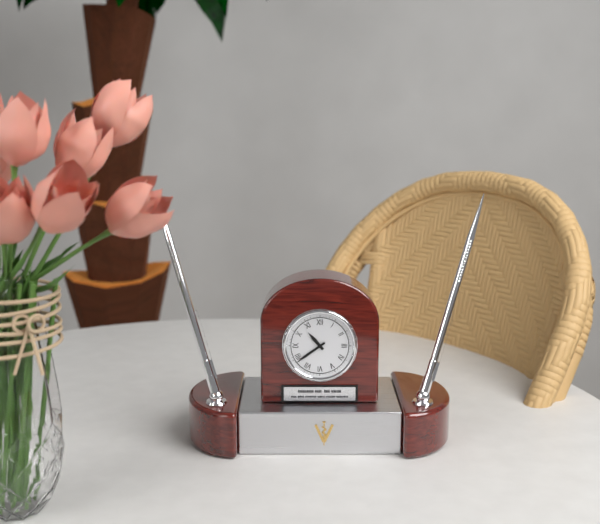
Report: 10:39
